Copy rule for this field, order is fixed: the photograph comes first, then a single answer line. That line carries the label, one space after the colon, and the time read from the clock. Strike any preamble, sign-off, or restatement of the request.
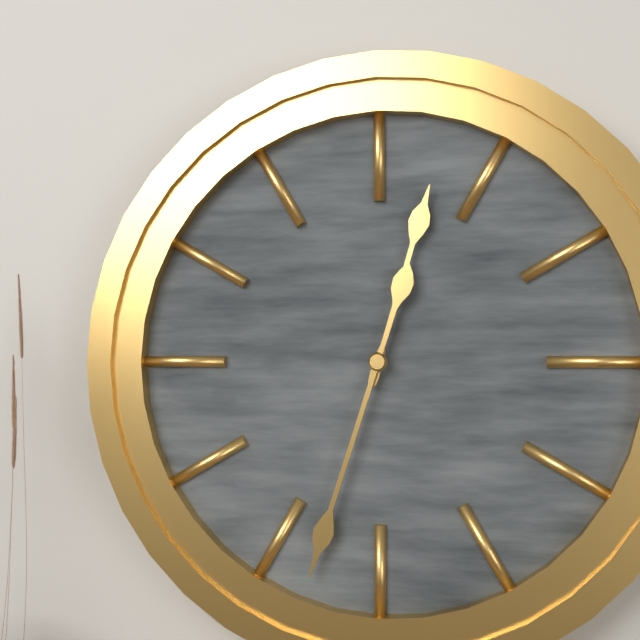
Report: 12:33
